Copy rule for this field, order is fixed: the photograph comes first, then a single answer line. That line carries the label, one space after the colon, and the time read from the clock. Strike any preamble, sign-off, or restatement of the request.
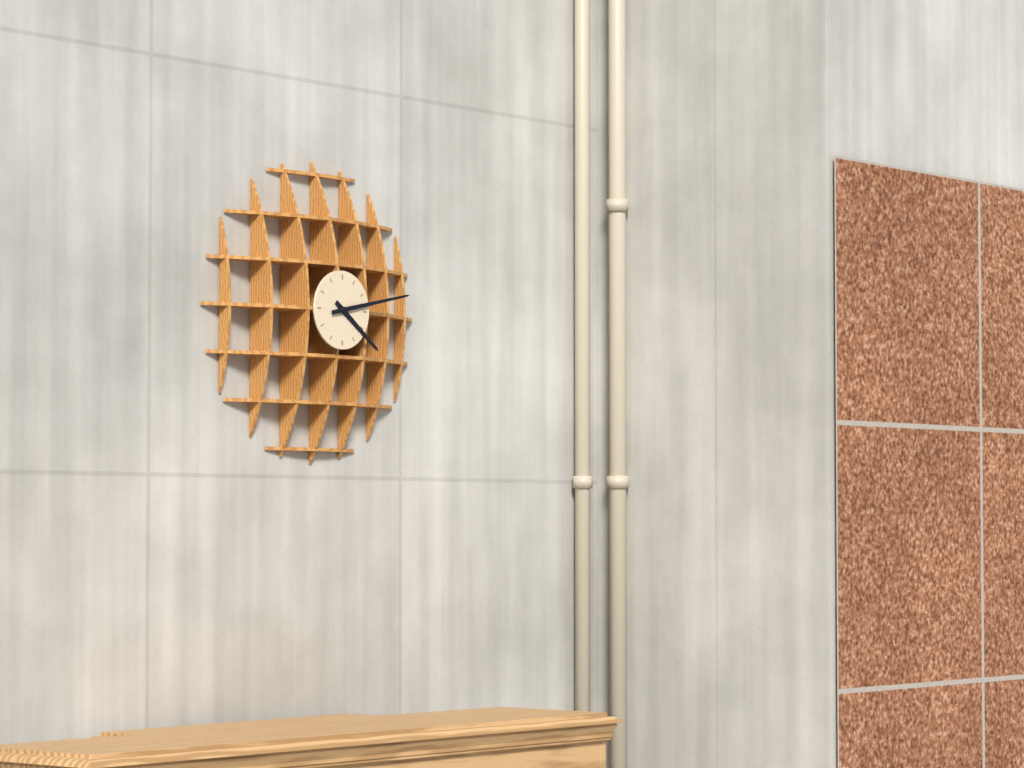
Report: 4:13
